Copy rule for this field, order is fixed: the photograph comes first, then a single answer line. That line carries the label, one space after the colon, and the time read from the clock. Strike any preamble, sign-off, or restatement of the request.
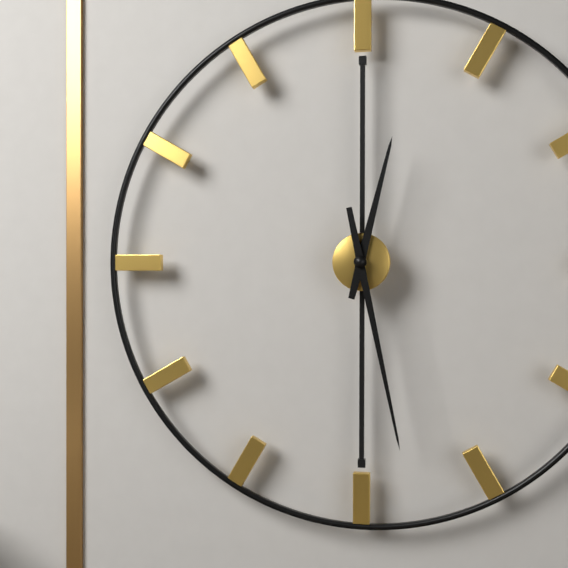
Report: 12:28
